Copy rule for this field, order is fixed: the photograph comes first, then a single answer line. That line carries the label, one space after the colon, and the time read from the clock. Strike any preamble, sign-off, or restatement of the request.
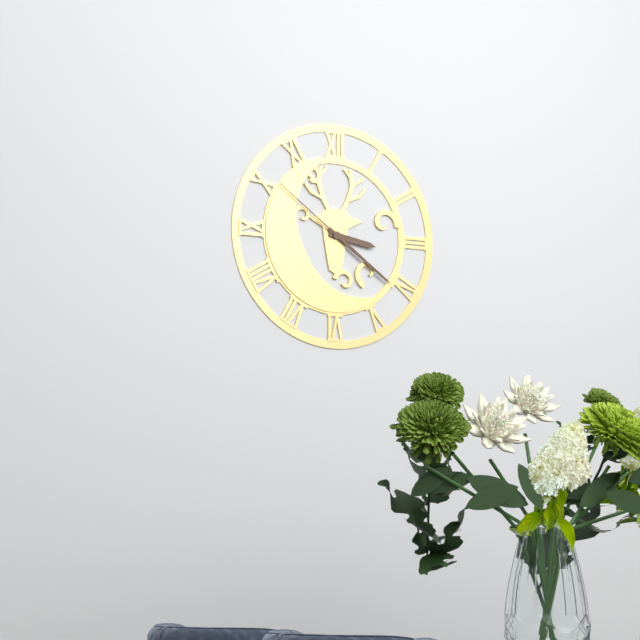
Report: 3:21:51
